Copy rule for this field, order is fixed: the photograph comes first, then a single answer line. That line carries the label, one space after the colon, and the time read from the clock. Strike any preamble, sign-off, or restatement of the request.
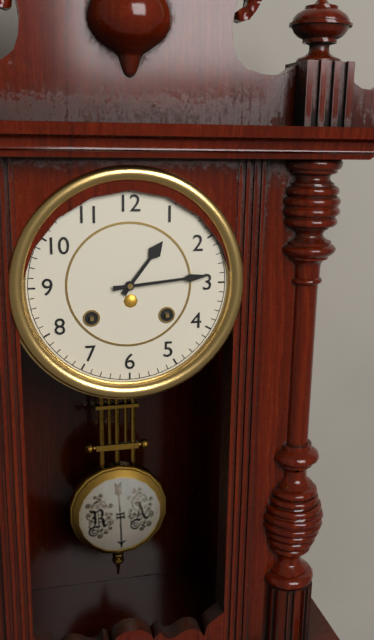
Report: 1:14
